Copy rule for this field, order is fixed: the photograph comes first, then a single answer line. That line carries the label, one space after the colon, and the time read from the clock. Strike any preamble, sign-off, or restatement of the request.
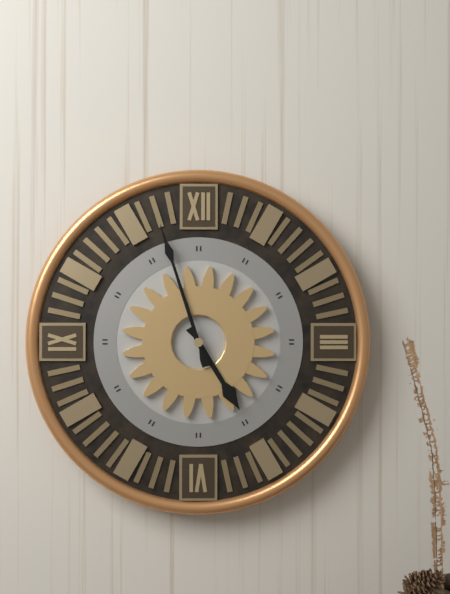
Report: 4:57
